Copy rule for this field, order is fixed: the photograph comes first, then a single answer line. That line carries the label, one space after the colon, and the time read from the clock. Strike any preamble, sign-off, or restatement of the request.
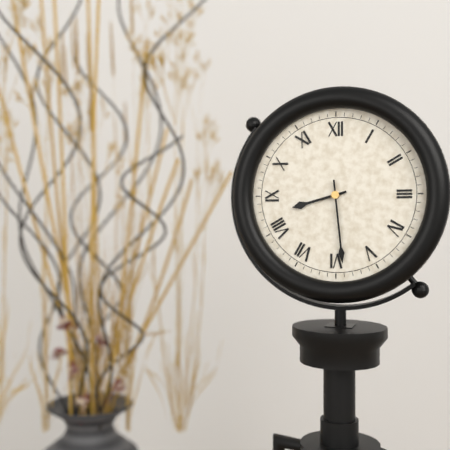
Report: 8:29
